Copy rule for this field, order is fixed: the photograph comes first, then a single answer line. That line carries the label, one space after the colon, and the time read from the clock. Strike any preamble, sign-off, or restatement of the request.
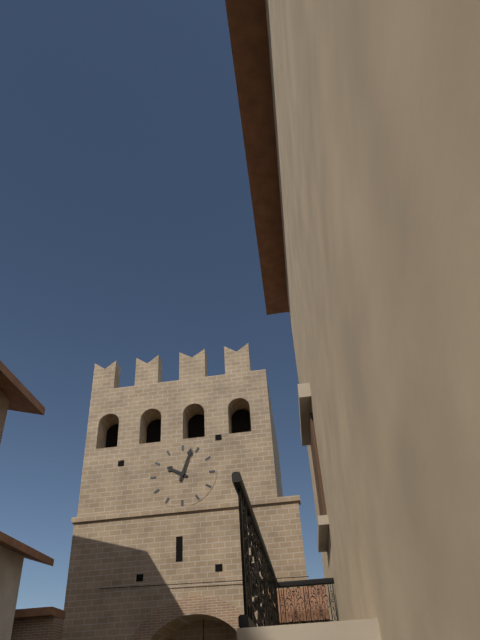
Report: 10:03
